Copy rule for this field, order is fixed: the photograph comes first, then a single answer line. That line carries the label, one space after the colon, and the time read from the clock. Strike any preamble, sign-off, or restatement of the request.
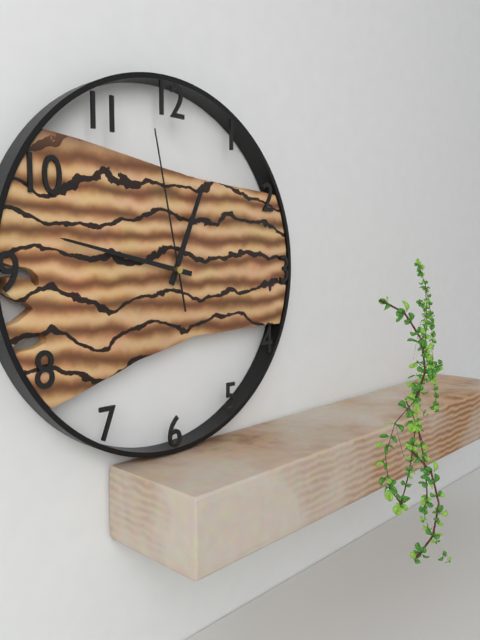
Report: 12:47:58
